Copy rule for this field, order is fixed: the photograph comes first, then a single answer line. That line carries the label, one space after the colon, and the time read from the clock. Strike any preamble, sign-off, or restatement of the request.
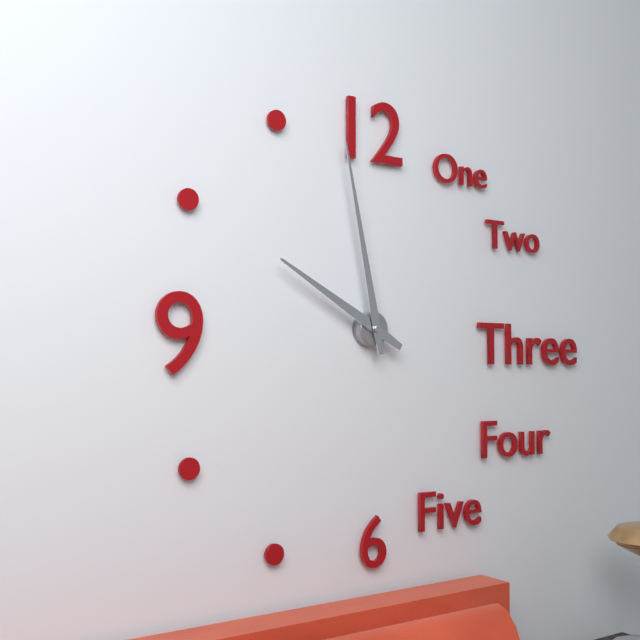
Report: 9:58
